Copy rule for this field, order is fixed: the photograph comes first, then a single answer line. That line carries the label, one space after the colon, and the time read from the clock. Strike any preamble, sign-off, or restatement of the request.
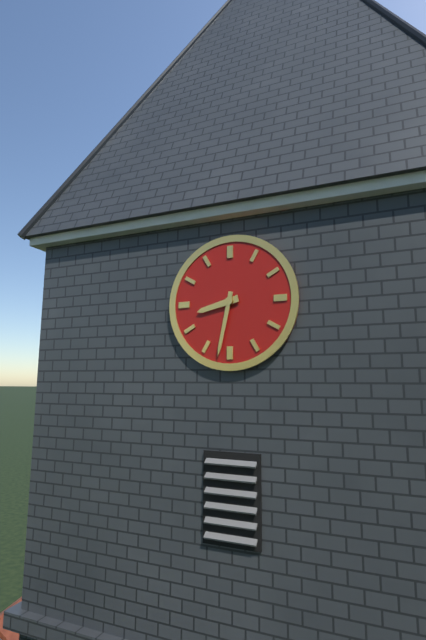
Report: 8:32
